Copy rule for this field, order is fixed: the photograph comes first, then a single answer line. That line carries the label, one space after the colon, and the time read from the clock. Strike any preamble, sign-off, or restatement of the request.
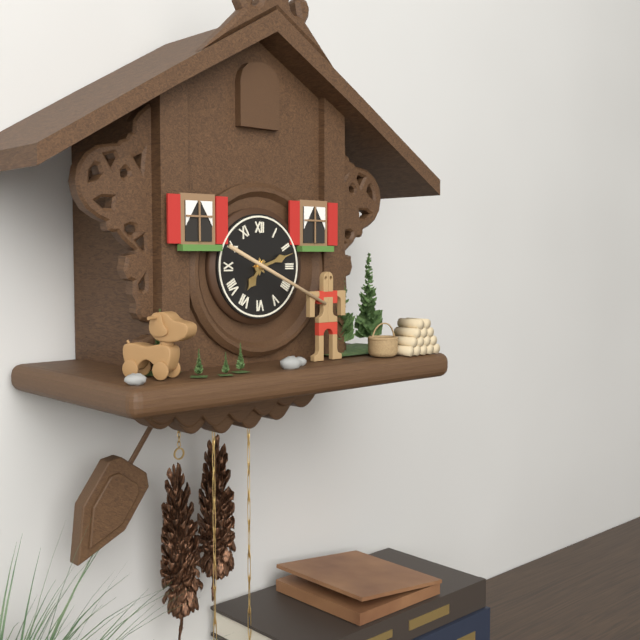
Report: 7:12
